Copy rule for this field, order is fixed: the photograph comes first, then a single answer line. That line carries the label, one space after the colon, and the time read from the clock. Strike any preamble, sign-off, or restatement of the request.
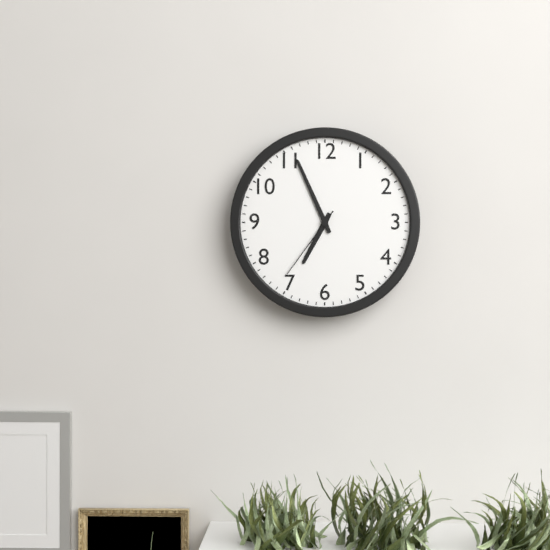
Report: 6:56:36
